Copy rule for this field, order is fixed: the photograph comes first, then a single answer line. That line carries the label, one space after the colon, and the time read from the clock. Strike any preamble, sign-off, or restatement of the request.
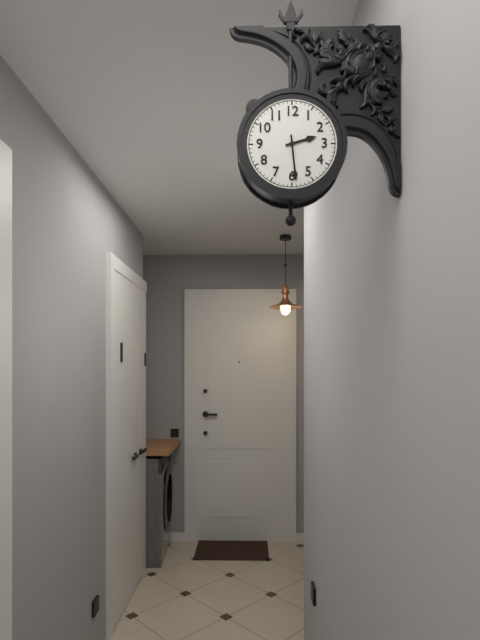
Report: 2:29
